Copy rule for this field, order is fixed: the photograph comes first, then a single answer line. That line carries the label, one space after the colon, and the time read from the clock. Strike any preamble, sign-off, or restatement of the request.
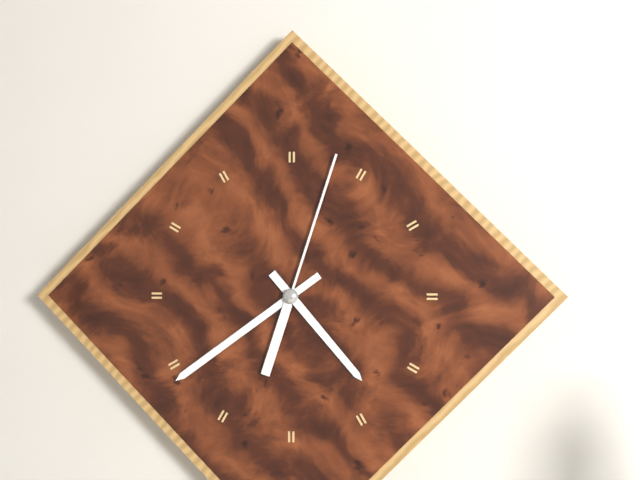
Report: 4:39:03
